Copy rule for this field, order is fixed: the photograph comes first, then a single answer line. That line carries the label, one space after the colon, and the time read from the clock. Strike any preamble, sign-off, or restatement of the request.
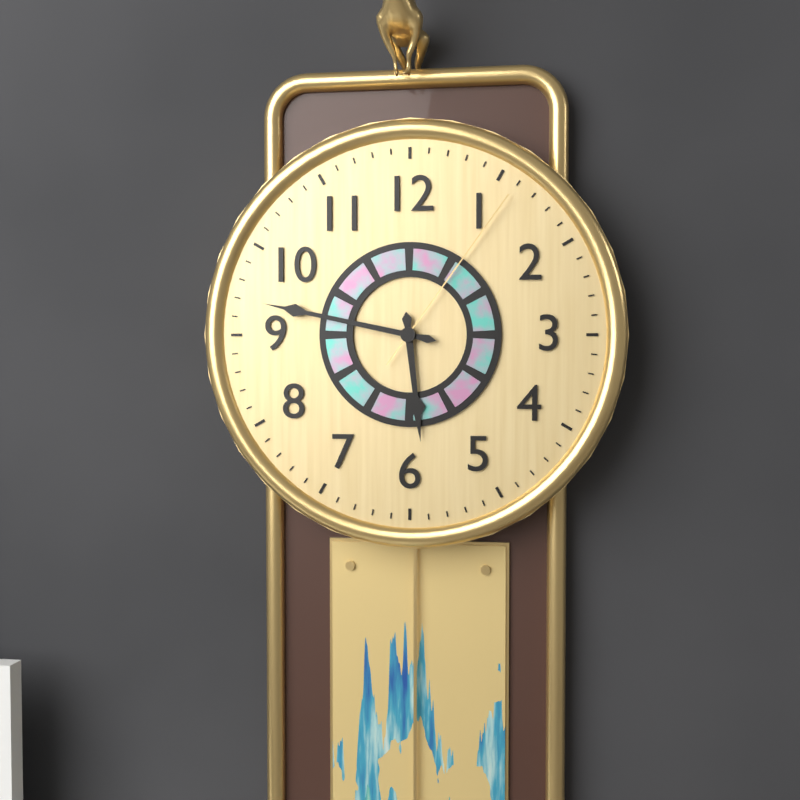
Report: 5:47:06
